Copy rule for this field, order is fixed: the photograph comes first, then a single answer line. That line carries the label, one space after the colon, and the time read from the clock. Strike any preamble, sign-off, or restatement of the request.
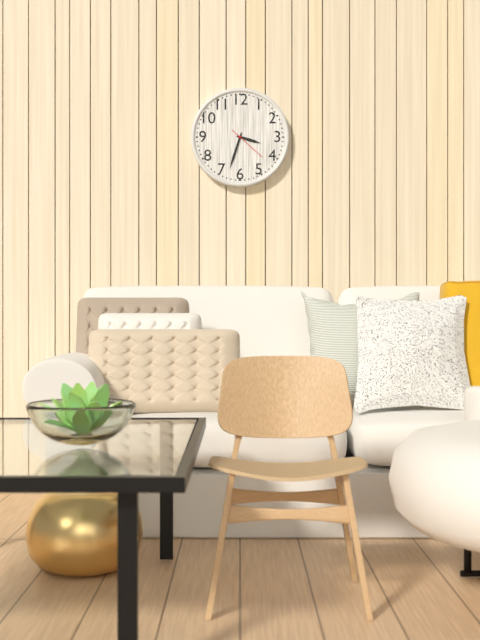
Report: 3:33
